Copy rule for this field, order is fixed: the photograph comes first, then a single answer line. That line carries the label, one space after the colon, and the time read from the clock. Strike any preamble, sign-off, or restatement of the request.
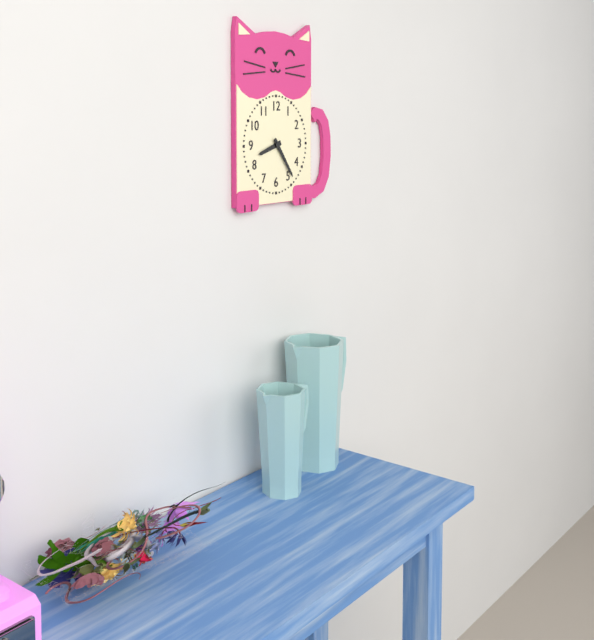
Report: 8:24
